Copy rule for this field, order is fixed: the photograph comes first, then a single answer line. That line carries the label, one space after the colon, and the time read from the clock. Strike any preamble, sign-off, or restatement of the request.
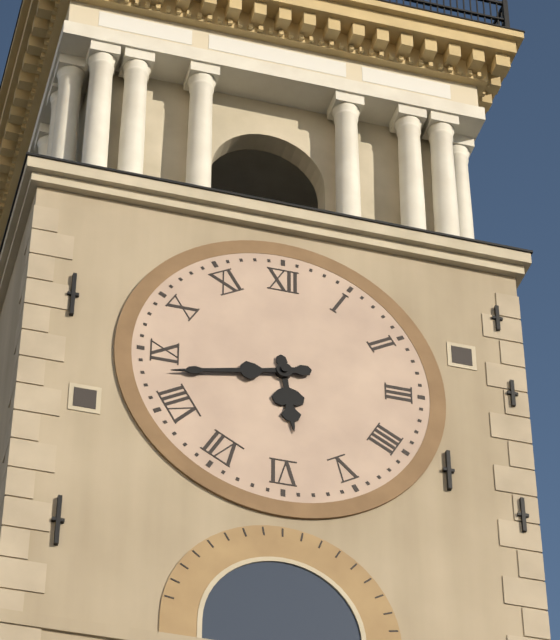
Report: 5:43
